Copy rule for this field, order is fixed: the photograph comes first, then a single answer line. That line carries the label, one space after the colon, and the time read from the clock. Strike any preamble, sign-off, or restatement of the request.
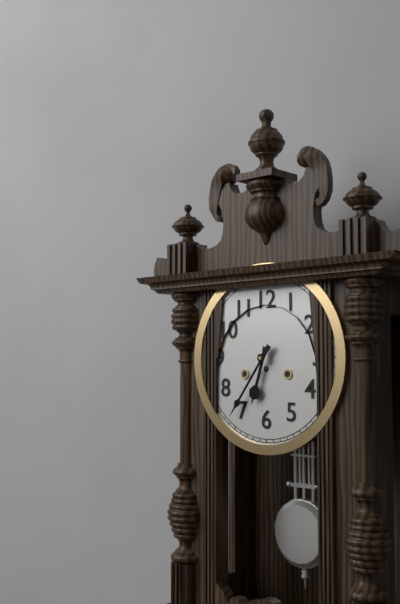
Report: 6:36
